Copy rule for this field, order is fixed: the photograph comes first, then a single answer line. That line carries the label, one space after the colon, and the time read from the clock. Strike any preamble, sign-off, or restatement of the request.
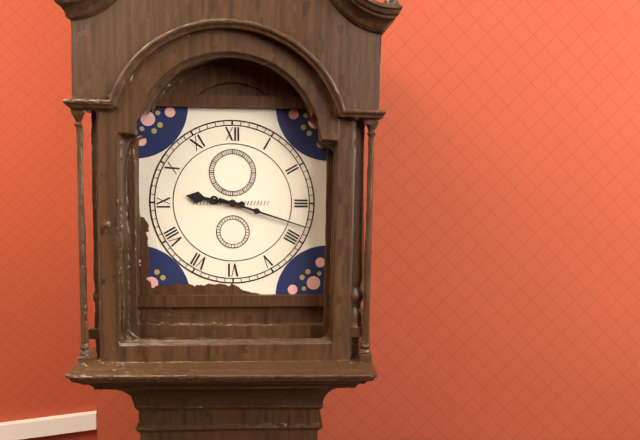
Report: 9:18
